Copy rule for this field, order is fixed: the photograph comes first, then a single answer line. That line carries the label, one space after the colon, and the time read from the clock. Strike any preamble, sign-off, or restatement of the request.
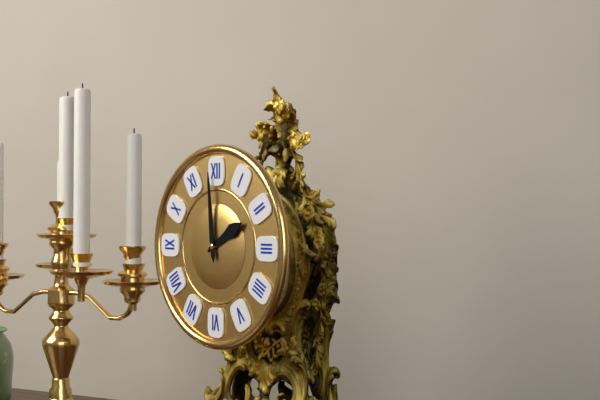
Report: 1:59
